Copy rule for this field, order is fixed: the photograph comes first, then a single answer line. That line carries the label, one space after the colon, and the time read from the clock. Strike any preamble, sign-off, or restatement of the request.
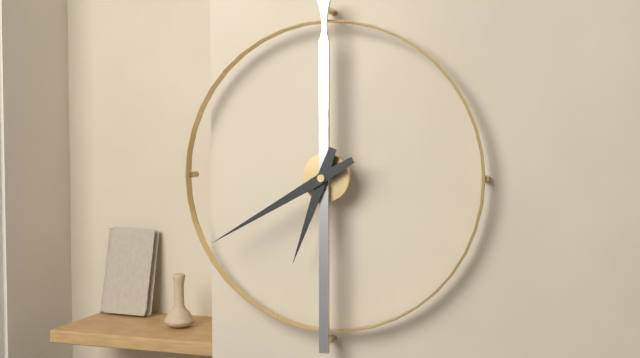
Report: 6:40
